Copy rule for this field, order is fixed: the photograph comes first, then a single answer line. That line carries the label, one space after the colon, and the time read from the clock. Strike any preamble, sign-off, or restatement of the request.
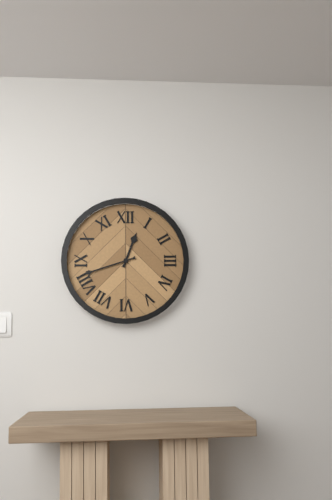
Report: 12:42
